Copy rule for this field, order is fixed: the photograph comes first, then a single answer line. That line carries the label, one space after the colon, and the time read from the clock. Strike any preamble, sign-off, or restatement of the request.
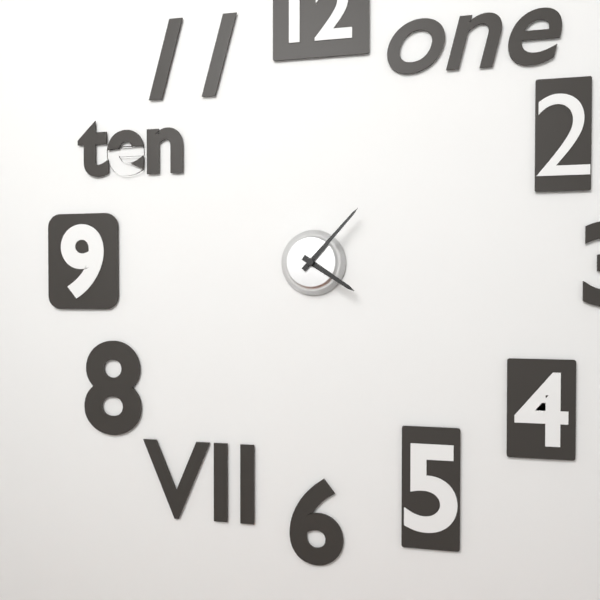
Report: 4:07
